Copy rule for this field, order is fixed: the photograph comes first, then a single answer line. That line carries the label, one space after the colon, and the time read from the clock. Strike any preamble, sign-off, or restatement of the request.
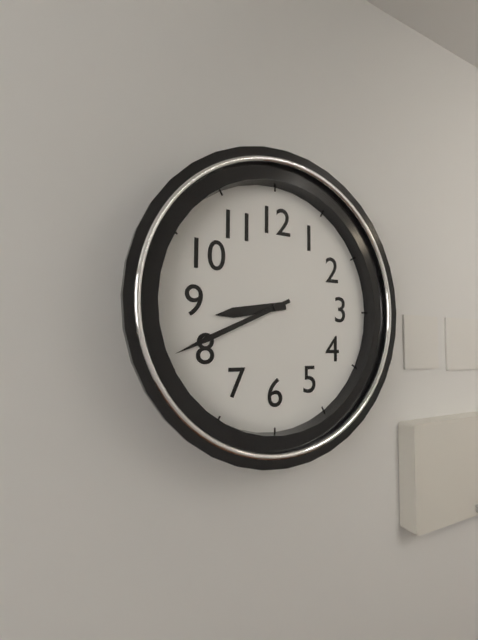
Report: 8:41
